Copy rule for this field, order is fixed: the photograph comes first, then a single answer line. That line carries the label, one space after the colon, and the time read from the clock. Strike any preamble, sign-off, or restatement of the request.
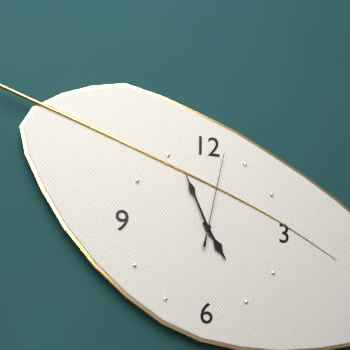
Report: 4:56:02
